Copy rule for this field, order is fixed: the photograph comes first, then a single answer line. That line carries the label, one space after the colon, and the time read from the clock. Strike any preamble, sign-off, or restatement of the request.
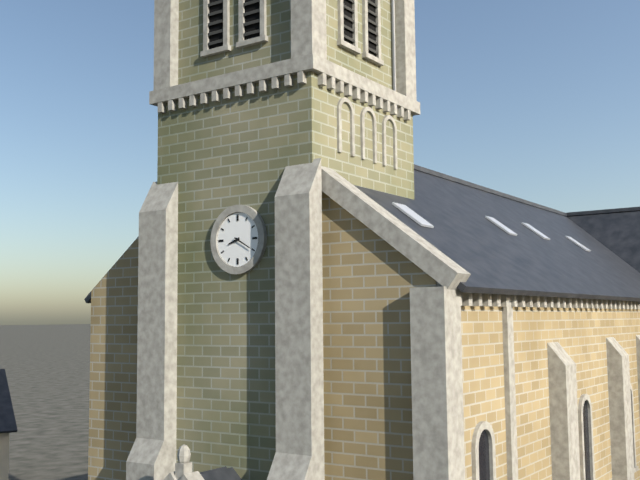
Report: 8:20
